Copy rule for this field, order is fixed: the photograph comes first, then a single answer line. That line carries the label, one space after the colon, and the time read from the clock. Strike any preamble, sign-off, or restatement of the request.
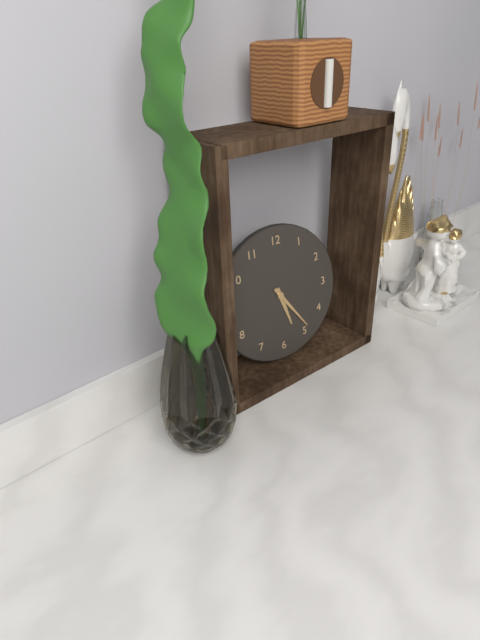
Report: 5:24
